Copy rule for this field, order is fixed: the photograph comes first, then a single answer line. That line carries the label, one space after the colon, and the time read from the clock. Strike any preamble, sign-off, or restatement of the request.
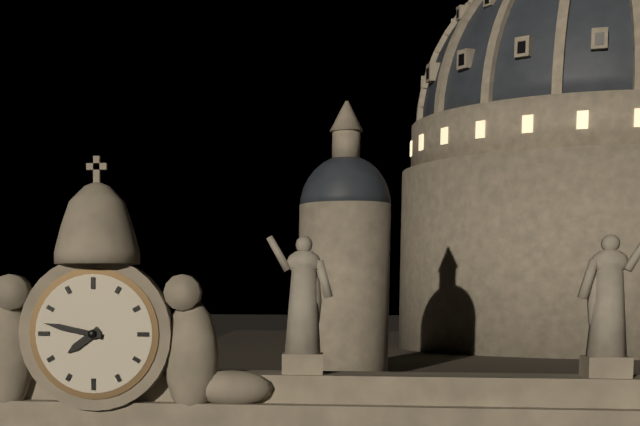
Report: 7:47
